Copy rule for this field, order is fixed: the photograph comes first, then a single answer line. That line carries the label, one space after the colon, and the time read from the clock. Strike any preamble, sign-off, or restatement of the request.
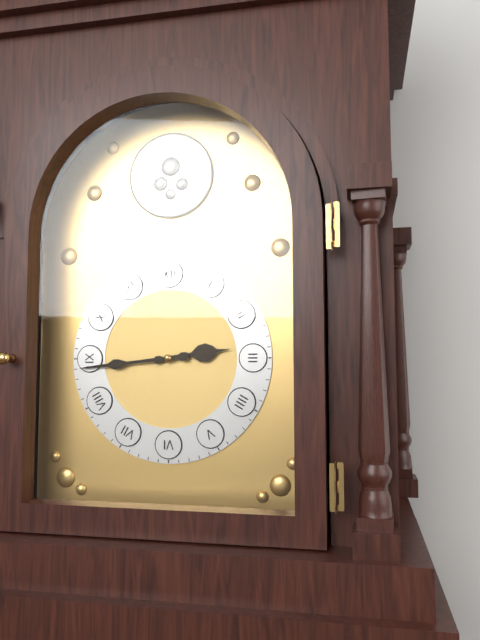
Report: 2:44
